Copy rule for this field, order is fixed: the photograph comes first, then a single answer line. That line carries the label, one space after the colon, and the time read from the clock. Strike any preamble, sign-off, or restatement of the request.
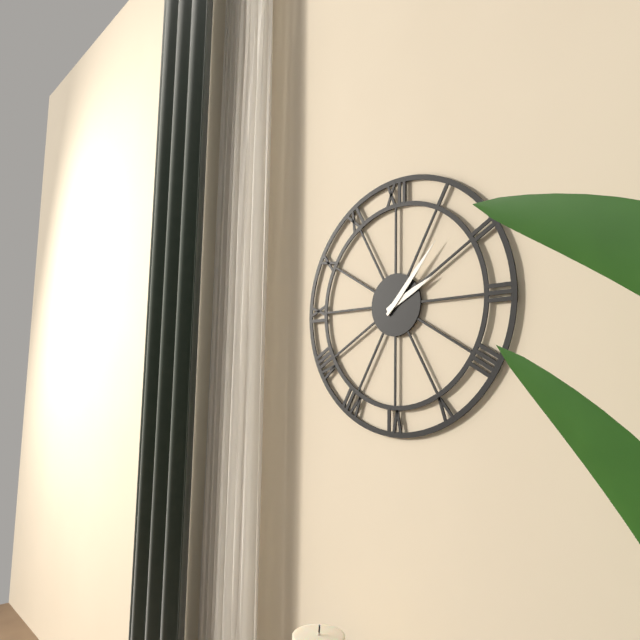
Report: 2:07
